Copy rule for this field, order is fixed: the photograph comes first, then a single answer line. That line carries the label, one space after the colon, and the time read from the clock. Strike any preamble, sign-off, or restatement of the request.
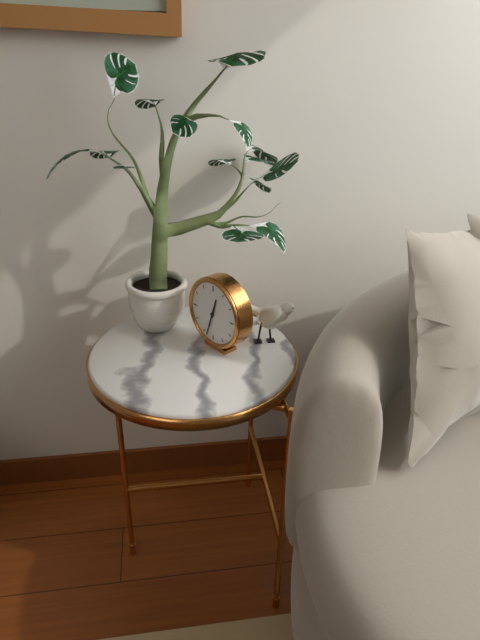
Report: 12:33
